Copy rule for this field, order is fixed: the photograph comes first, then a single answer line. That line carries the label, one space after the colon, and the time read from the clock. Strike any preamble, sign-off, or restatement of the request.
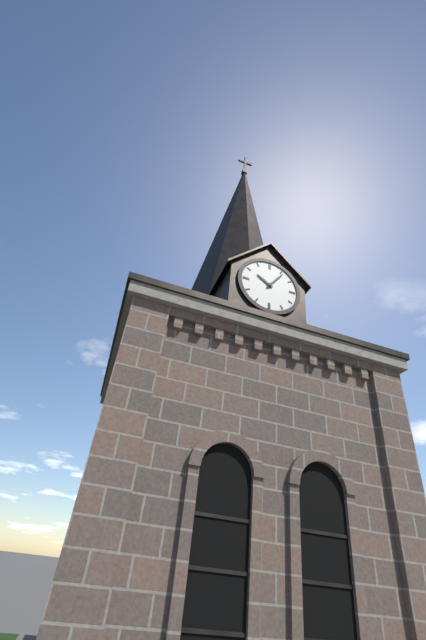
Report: 10:06
